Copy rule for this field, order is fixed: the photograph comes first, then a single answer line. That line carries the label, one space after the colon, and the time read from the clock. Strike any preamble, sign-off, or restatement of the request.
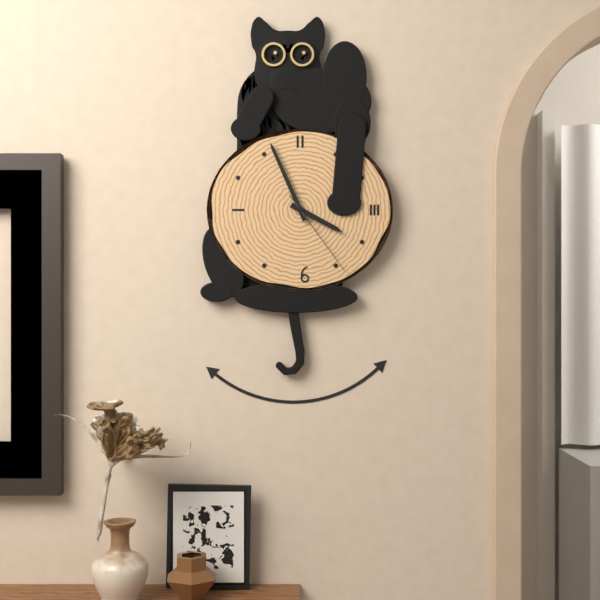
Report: 3:56:24
